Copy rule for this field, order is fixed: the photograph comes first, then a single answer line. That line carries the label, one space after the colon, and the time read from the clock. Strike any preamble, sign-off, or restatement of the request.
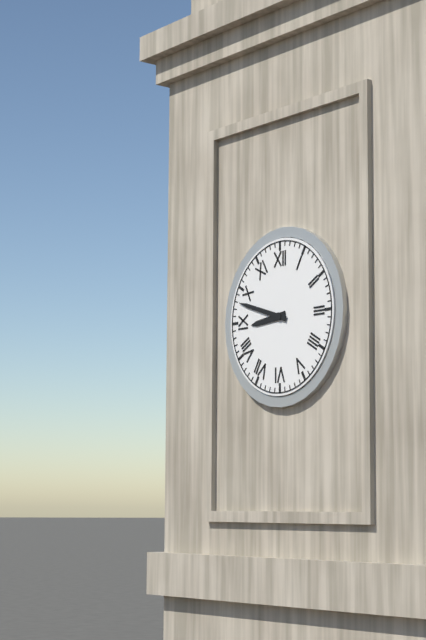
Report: 8:48
